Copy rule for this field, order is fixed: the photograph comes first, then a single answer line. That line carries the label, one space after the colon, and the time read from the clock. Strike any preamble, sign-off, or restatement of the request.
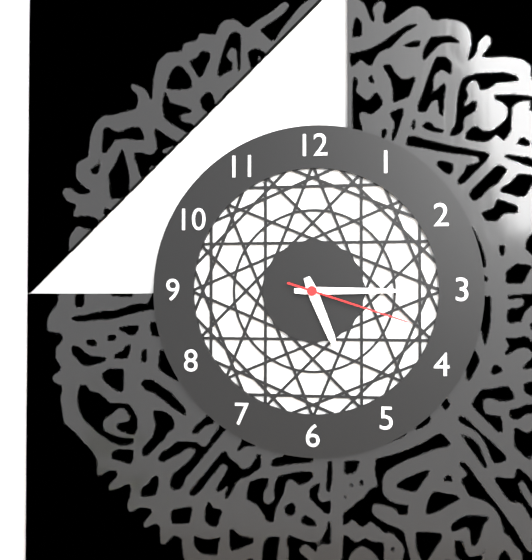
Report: 5:15:18
